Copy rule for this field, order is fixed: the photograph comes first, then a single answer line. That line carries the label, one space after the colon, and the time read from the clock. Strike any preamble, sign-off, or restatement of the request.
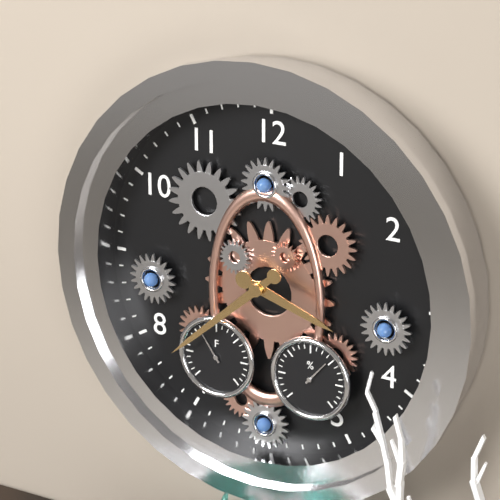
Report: 3:38
